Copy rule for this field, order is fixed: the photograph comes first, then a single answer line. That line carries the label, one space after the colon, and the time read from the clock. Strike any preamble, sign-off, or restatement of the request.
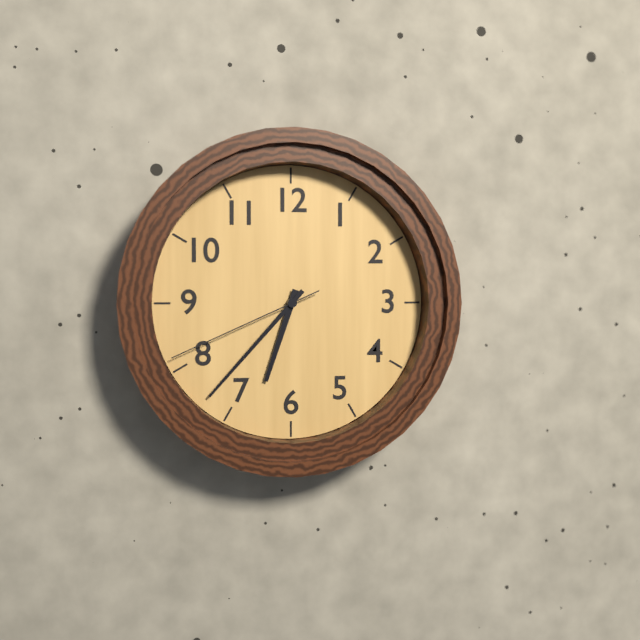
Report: 6:37:41
